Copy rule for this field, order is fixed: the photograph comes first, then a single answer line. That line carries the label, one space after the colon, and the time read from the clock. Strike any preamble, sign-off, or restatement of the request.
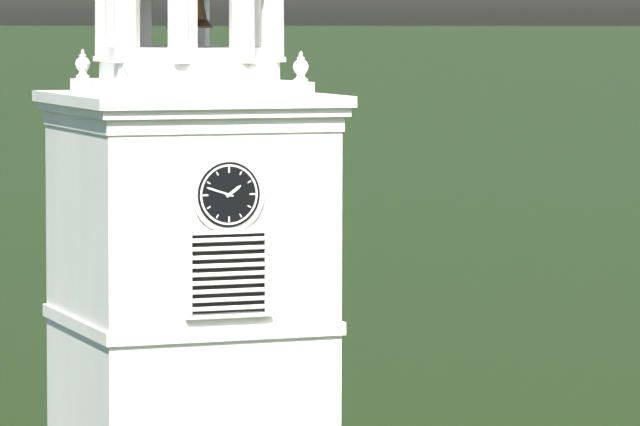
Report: 1:48
